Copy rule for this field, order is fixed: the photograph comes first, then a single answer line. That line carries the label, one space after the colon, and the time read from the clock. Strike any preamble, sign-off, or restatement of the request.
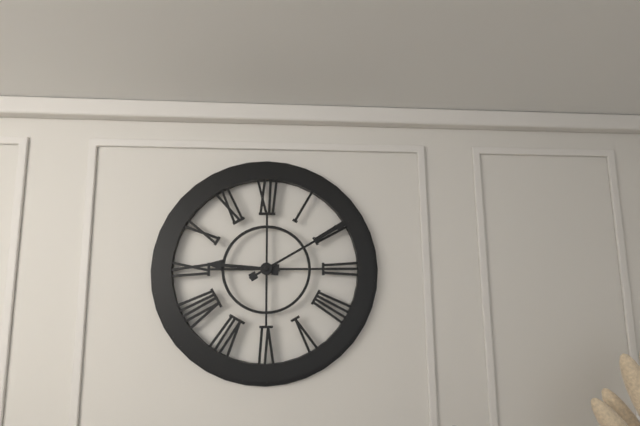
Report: 9:10
